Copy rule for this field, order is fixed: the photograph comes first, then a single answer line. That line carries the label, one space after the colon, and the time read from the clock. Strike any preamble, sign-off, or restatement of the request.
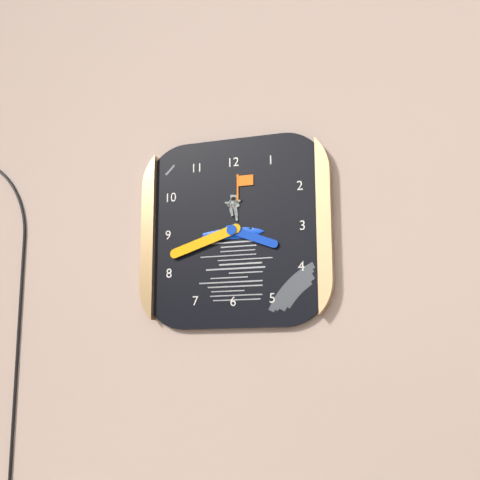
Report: 3:42
